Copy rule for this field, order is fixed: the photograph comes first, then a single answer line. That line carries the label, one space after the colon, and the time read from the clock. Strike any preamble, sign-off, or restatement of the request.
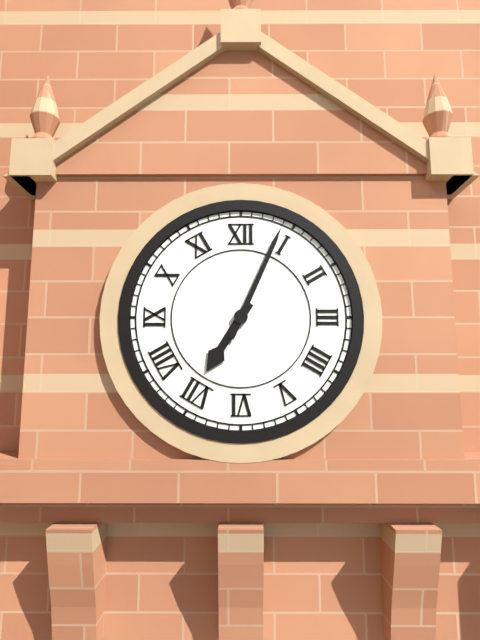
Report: 7:04
